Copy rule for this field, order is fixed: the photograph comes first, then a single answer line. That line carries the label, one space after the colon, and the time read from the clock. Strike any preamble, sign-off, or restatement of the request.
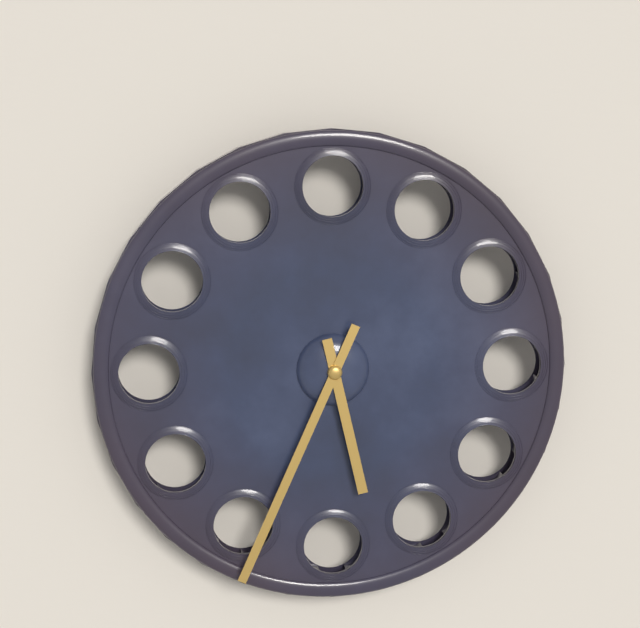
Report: 5:34
